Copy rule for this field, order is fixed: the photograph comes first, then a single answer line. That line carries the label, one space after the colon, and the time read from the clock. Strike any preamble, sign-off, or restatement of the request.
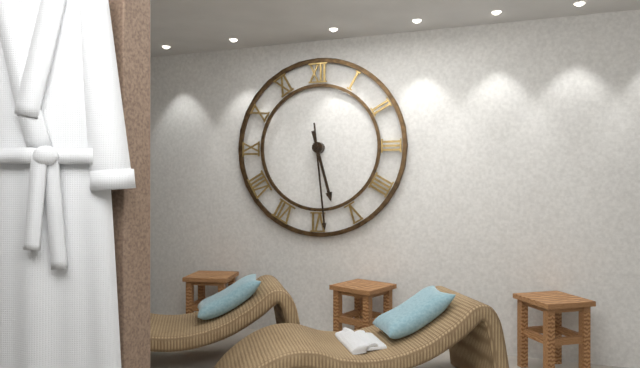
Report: 5:29
